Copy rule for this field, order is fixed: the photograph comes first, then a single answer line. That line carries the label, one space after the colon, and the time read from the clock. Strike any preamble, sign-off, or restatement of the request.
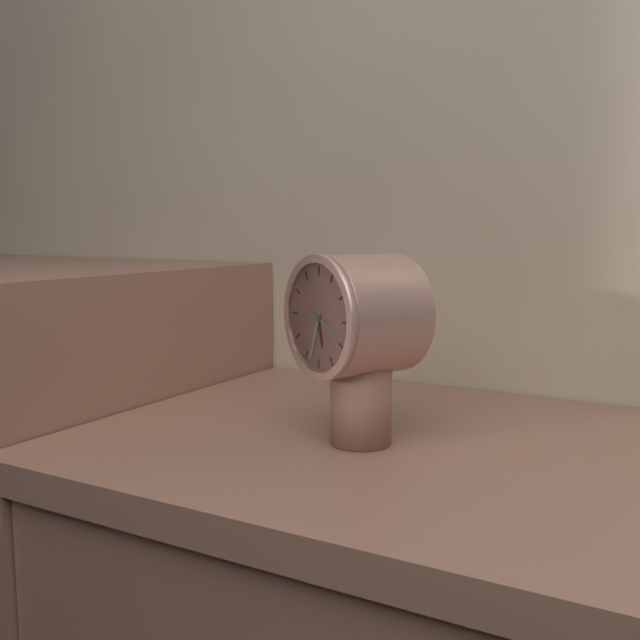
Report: 5:33
